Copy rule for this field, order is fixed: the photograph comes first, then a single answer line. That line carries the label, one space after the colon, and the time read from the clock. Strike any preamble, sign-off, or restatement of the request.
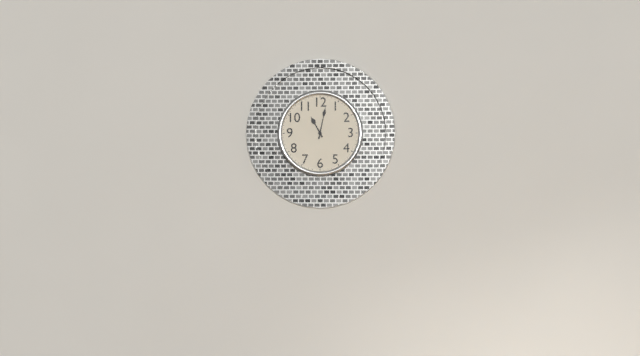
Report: 11:02
